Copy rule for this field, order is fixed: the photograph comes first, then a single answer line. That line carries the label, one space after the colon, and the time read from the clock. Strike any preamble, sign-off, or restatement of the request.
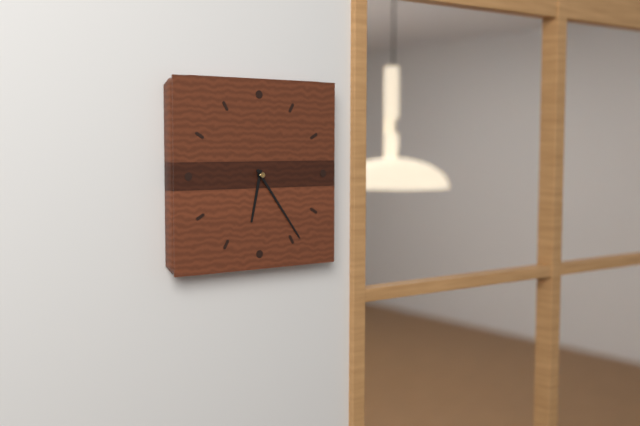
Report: 6:24
